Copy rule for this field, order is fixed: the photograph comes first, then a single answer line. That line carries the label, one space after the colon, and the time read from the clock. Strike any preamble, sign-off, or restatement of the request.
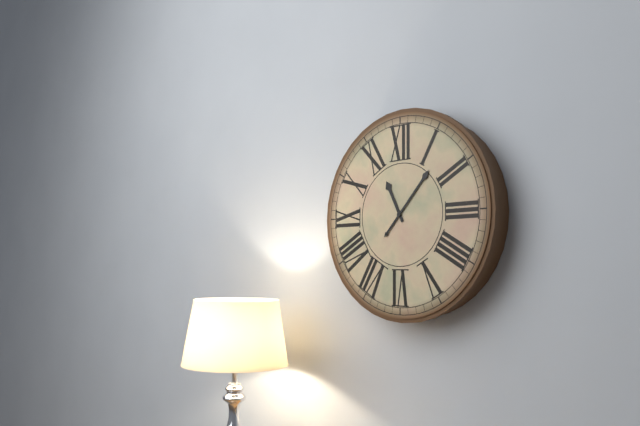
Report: 11:07
